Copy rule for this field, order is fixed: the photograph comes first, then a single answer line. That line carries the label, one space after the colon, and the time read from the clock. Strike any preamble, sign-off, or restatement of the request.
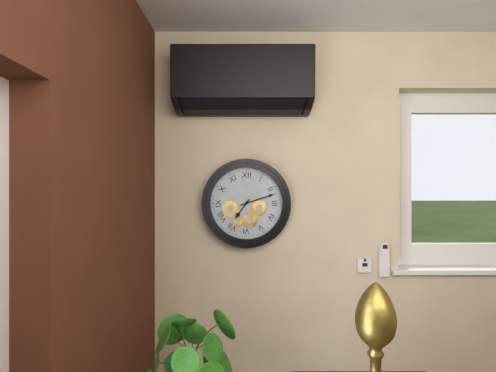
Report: 7:12
